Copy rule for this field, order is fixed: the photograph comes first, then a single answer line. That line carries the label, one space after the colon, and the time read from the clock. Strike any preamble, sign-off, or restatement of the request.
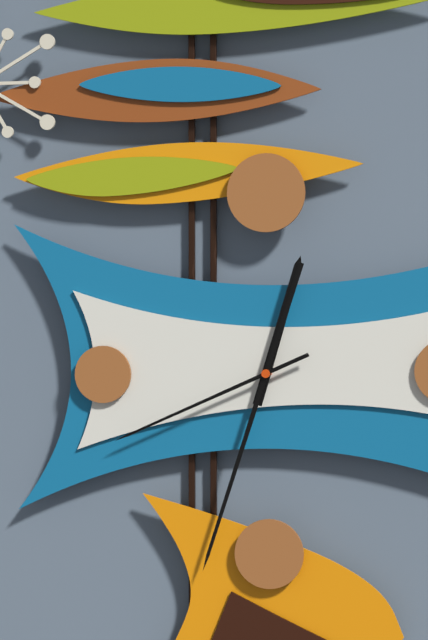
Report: 12:33:41
